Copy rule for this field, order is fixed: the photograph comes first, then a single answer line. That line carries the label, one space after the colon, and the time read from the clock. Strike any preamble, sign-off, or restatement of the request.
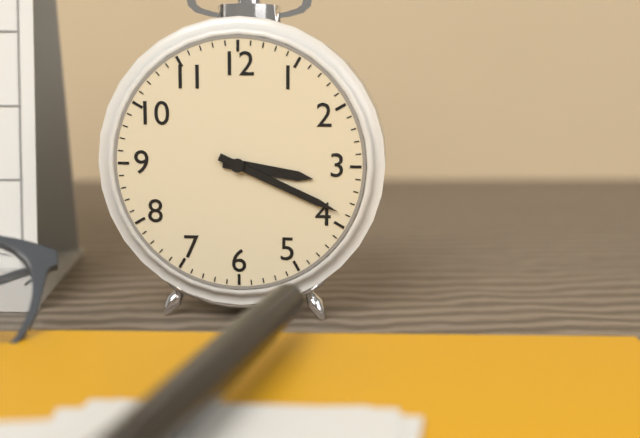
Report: 3:19
